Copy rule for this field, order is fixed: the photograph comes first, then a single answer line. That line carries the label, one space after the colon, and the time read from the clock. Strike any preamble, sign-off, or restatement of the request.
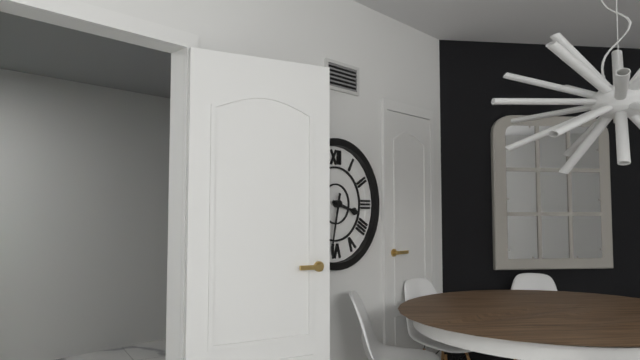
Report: 3:32
